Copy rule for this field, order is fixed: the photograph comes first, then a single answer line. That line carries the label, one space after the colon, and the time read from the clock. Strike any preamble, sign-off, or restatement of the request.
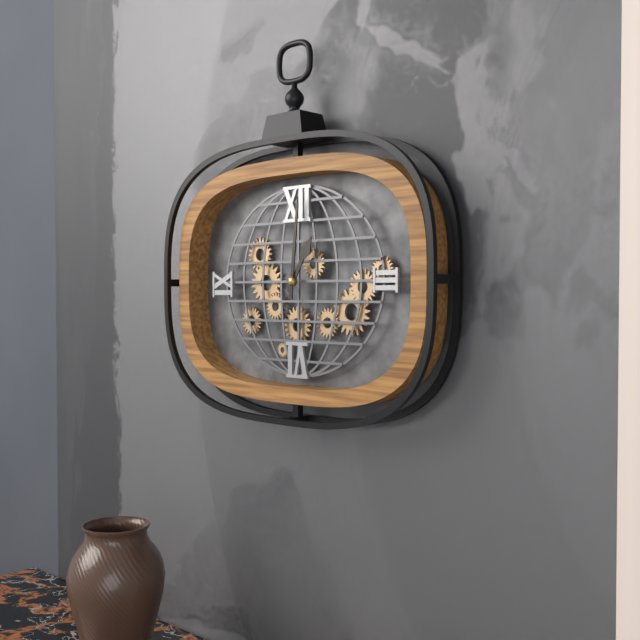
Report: 1:01
